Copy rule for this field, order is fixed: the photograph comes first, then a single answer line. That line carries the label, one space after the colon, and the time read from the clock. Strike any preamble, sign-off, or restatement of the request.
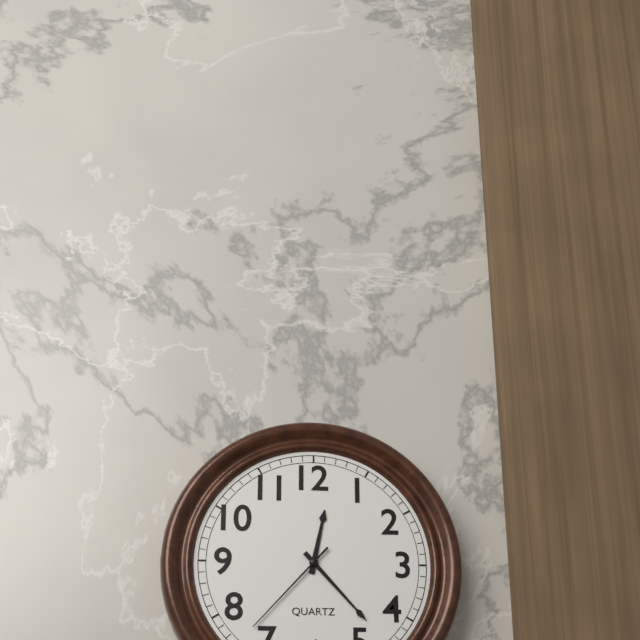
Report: 12:23:37
